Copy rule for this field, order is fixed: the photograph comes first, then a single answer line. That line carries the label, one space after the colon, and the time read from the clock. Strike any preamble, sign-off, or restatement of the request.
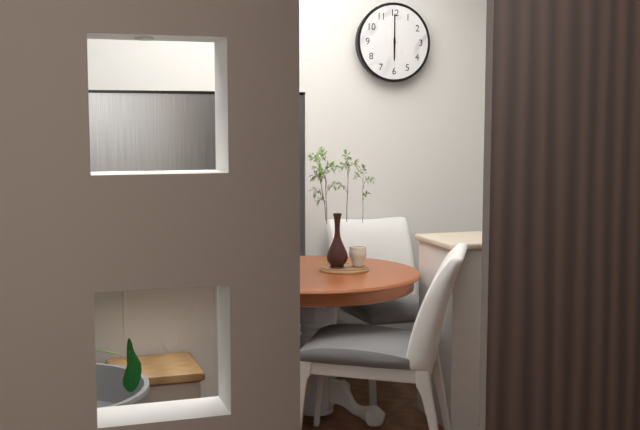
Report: 6:00
